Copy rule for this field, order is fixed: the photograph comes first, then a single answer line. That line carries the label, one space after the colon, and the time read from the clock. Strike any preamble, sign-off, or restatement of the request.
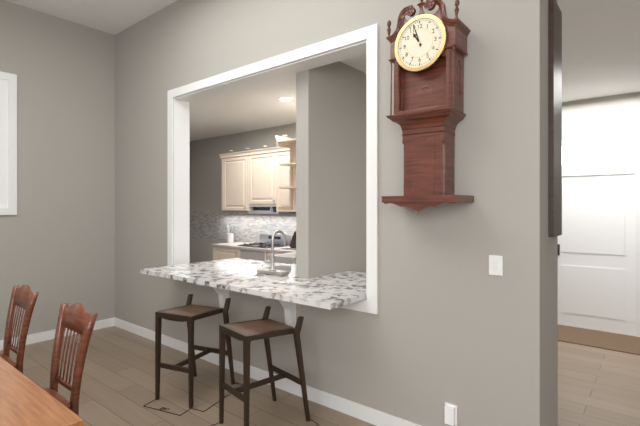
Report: 10:57
